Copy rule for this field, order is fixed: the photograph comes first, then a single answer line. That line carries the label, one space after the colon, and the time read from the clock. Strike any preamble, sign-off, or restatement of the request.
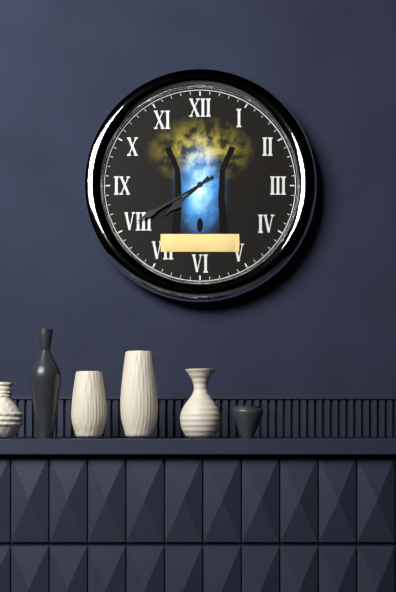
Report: 7:40
